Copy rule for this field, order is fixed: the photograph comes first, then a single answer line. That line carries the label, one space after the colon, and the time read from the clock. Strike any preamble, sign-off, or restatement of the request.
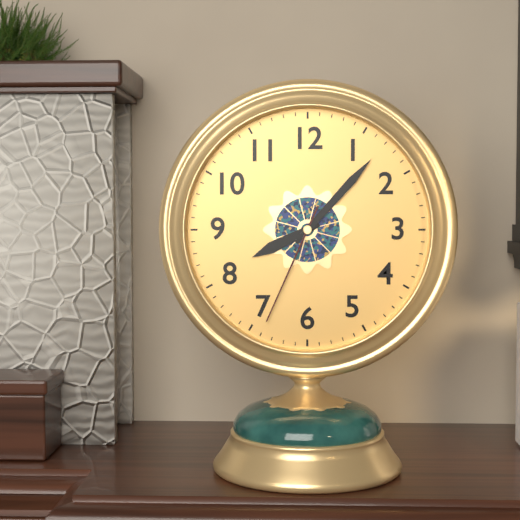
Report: 8:07:34
